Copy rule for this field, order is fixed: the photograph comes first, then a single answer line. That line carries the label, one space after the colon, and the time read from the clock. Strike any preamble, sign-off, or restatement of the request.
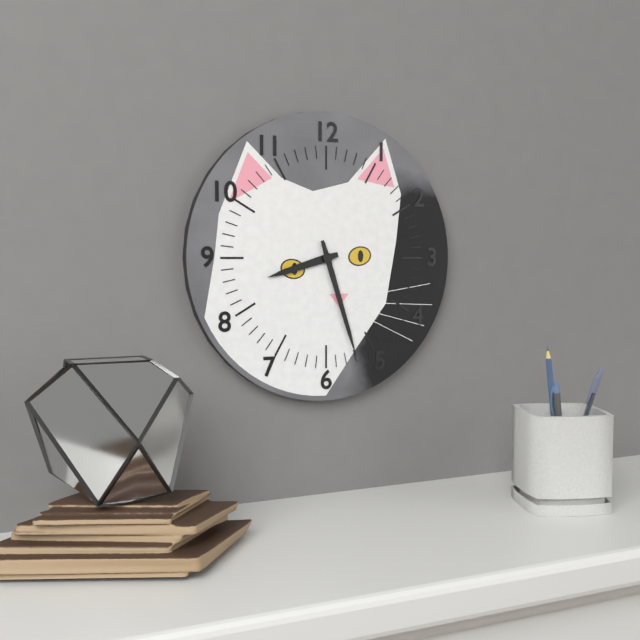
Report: 8:27
